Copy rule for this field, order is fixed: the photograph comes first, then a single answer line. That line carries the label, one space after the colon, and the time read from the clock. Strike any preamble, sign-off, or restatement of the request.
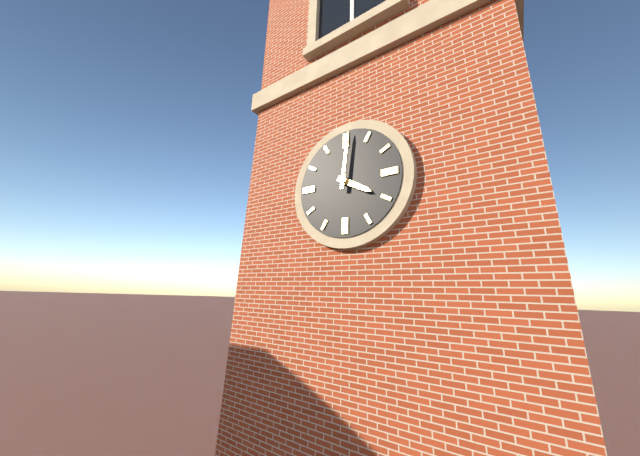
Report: 4:01
